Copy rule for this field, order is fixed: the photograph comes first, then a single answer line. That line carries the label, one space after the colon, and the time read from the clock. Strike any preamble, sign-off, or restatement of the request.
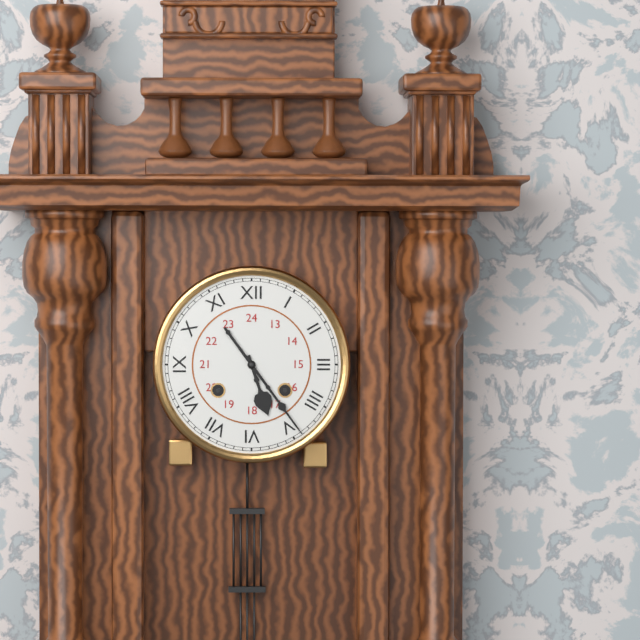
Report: 5:24
